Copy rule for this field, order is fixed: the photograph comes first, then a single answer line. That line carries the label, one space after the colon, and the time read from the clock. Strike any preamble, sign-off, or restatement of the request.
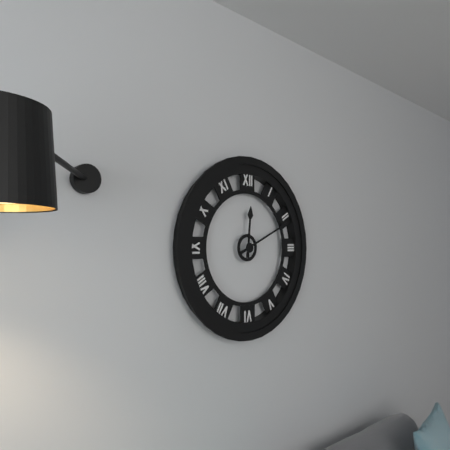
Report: 12:11
